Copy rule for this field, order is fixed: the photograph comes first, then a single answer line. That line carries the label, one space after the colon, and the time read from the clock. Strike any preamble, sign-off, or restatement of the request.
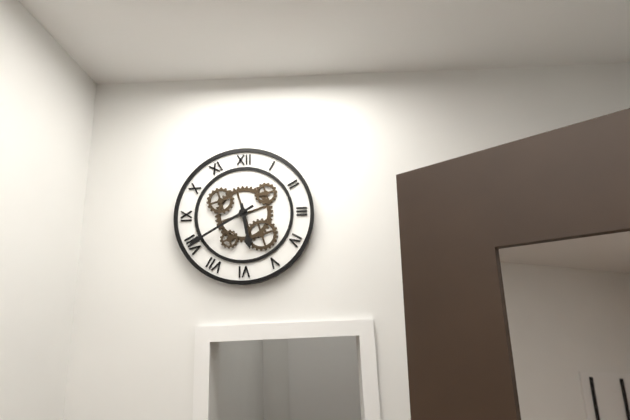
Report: 5:40
